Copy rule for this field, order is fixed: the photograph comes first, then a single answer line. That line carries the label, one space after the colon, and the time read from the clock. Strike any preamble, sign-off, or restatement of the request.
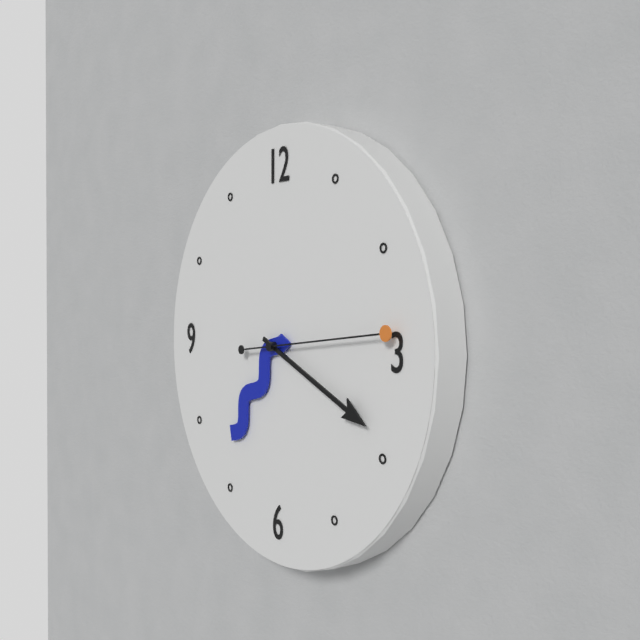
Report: 7:19:14
